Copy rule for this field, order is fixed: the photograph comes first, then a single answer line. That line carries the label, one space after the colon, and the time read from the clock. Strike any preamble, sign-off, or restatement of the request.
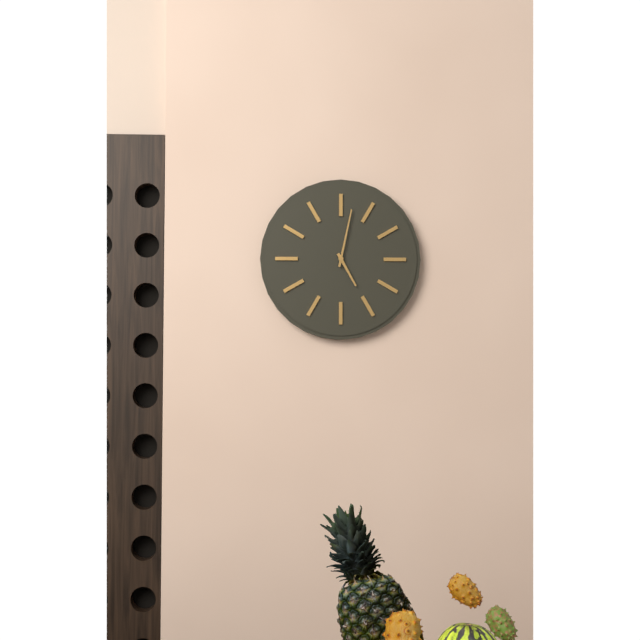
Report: 5:02
